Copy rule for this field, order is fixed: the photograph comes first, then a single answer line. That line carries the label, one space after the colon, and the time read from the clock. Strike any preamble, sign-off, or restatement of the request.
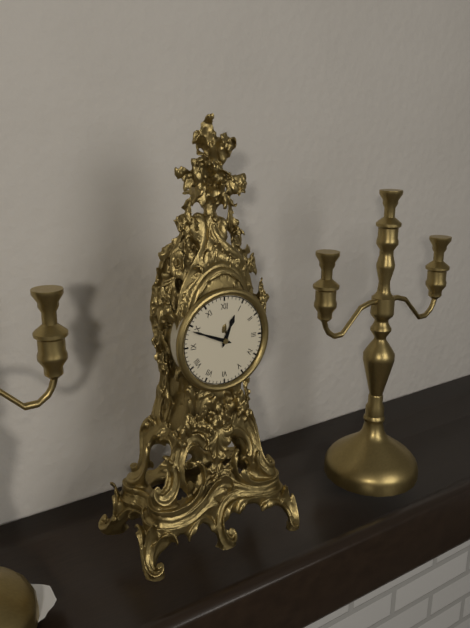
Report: 12:49
